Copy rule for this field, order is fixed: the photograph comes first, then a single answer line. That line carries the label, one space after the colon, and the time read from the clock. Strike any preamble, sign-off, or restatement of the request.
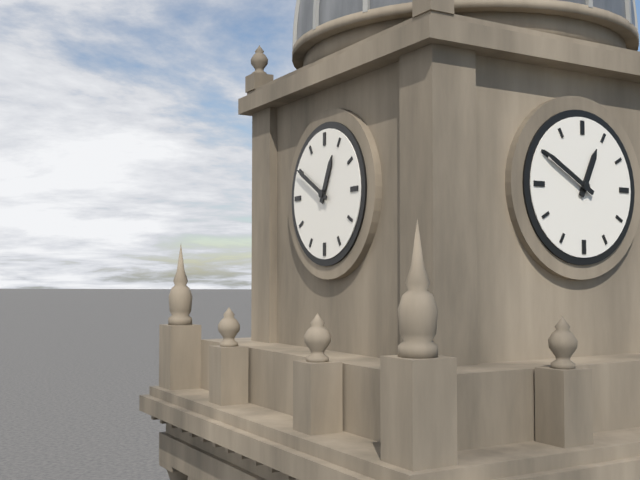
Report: 12:50
